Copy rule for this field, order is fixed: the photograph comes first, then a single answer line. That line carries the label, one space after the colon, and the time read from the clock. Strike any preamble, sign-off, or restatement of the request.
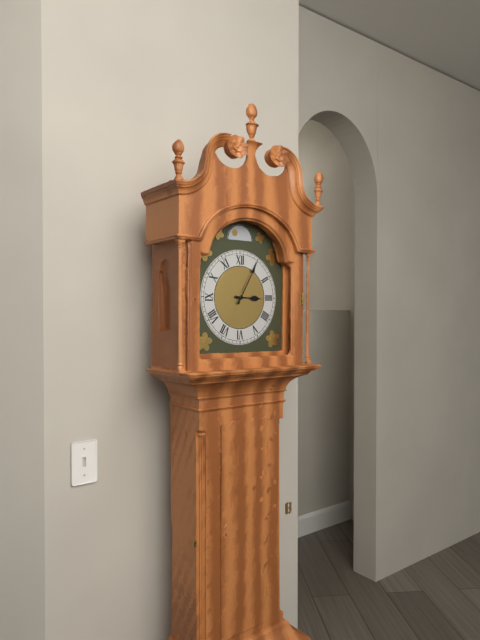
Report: 3:05
